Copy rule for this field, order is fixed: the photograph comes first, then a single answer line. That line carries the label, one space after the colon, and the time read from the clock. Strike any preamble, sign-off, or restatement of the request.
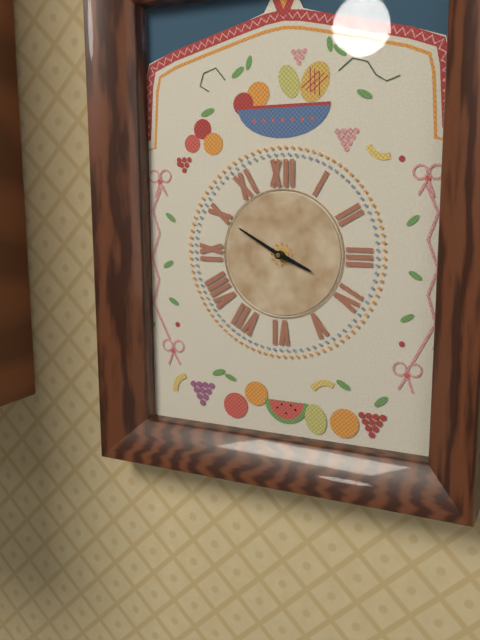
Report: 3:50
